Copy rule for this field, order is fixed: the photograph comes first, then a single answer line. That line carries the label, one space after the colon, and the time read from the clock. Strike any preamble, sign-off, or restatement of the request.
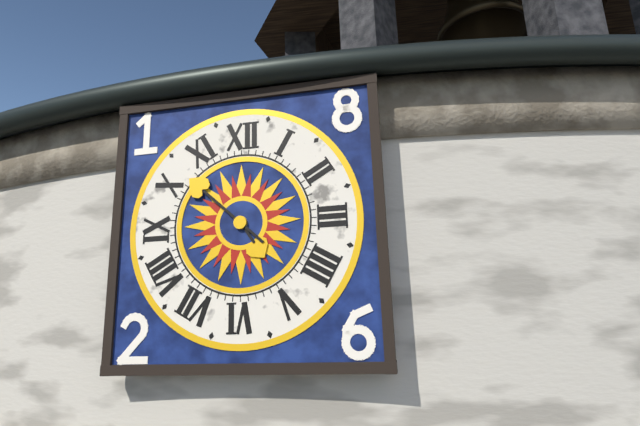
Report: 4:52
